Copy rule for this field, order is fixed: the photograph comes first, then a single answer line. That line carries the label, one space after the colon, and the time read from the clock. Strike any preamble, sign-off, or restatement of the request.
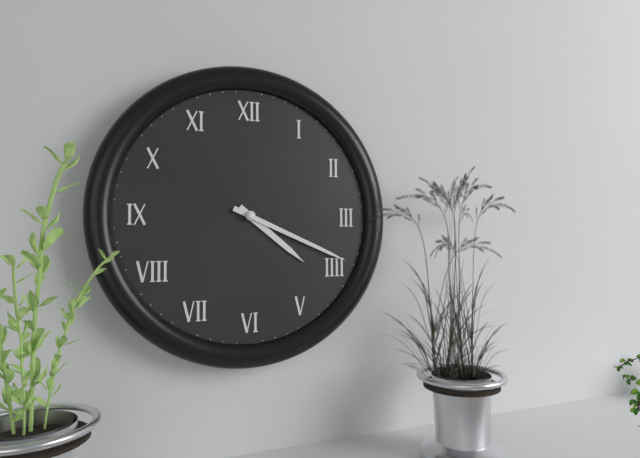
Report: 4:19
